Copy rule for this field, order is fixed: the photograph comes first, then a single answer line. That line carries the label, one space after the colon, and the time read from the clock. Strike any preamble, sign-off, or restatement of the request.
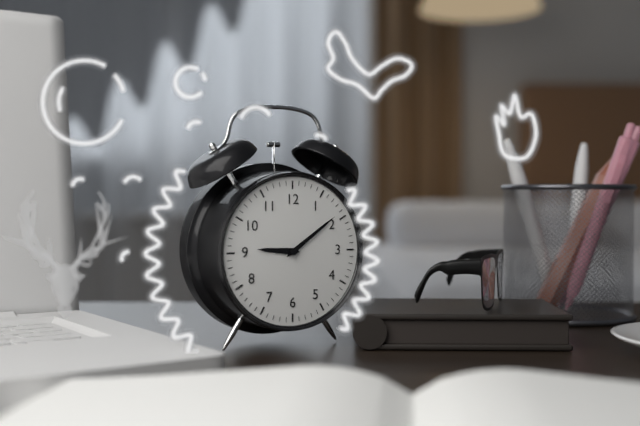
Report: 9:09
